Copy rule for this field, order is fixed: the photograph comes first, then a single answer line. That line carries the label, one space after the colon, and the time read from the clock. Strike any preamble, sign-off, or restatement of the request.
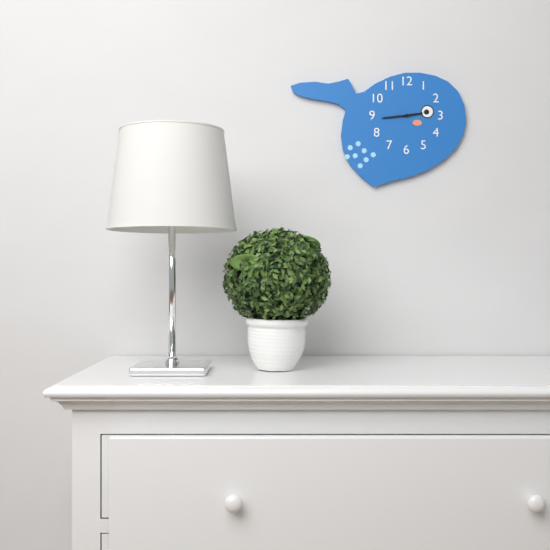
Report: 2:44
